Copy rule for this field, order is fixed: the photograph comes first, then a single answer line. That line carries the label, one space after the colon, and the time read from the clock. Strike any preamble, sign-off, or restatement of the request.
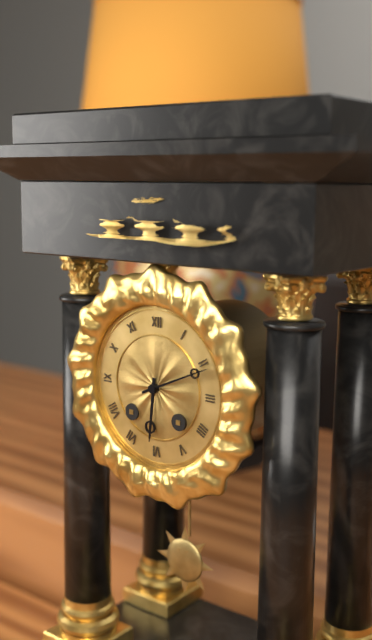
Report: 6:11
